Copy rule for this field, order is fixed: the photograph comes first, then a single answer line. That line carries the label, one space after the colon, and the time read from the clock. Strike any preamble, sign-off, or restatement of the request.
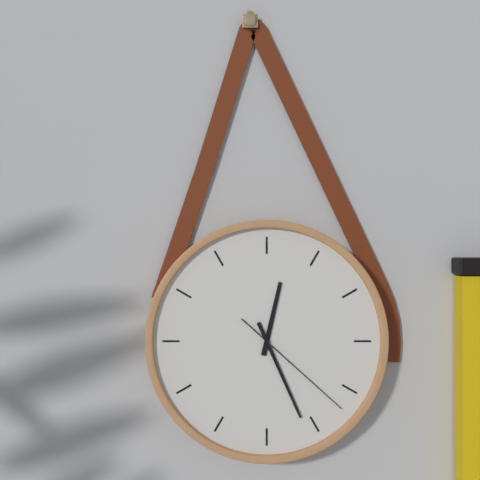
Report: 12:26:22
